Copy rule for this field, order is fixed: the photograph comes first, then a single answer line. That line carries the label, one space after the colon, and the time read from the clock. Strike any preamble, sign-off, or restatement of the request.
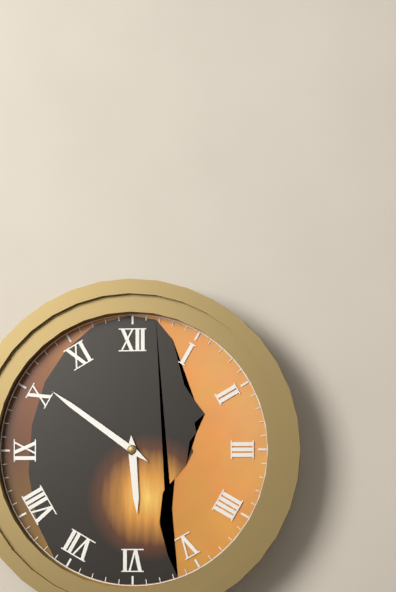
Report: 5:51
